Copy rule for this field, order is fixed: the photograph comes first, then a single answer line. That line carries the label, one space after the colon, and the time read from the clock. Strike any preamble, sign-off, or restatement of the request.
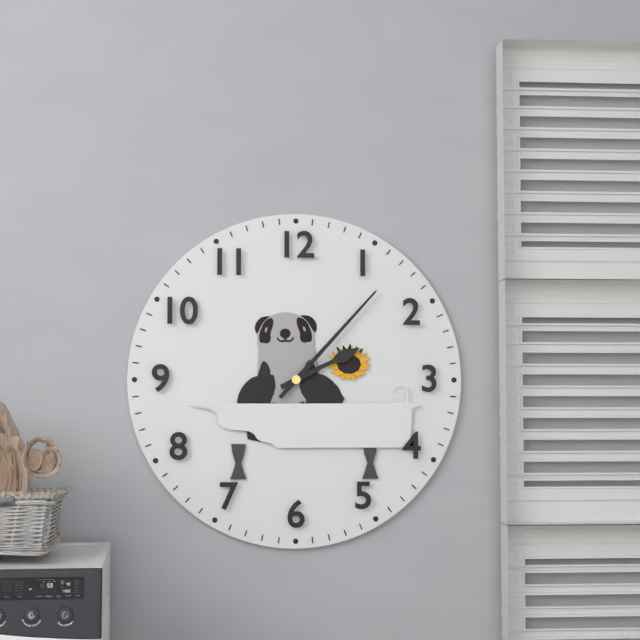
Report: 2:07
